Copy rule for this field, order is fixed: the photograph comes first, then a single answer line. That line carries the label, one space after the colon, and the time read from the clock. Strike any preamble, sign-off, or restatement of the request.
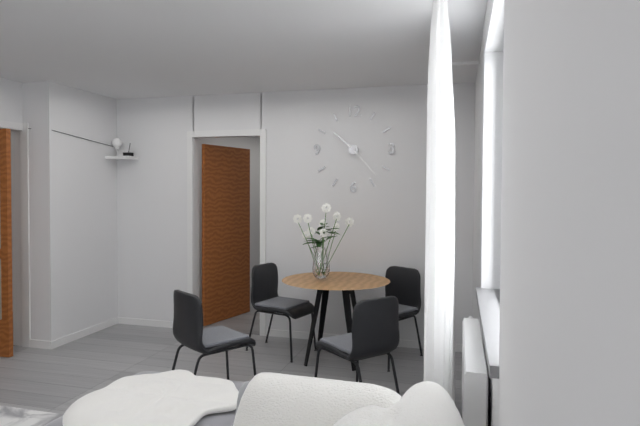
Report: 10:23
